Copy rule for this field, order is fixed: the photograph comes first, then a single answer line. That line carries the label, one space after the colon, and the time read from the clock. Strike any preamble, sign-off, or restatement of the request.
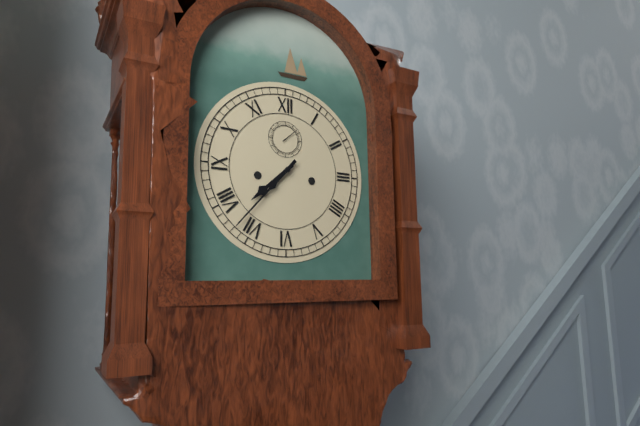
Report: 7:37
